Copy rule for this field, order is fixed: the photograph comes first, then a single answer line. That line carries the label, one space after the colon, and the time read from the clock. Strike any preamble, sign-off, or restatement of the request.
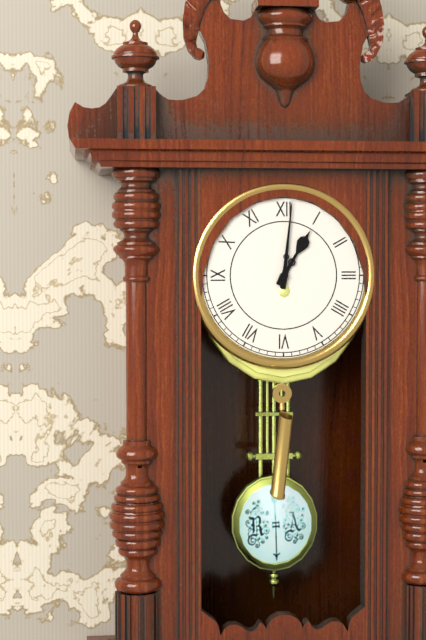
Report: 1:01
